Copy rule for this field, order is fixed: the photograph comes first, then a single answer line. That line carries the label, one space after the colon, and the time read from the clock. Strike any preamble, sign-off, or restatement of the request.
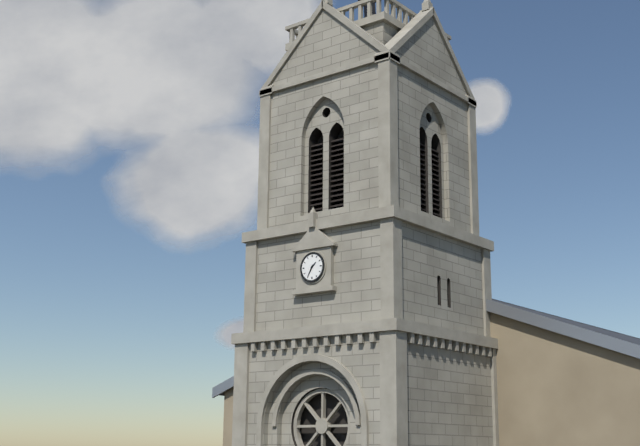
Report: 1:35
